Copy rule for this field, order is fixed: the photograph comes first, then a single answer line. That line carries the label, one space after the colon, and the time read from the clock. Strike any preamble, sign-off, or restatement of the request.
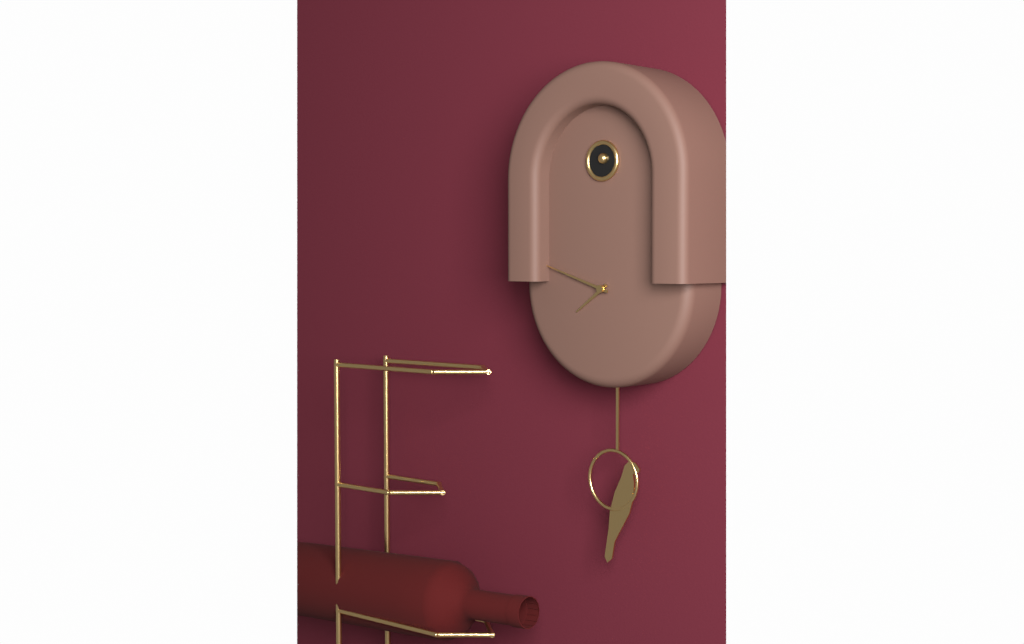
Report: 7:48
